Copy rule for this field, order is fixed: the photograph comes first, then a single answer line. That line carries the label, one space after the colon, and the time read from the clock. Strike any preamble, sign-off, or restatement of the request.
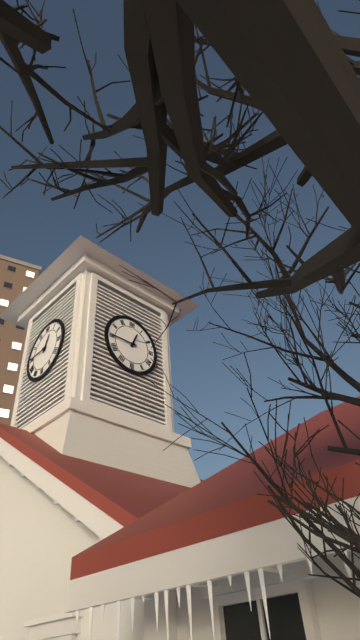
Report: 12:45
